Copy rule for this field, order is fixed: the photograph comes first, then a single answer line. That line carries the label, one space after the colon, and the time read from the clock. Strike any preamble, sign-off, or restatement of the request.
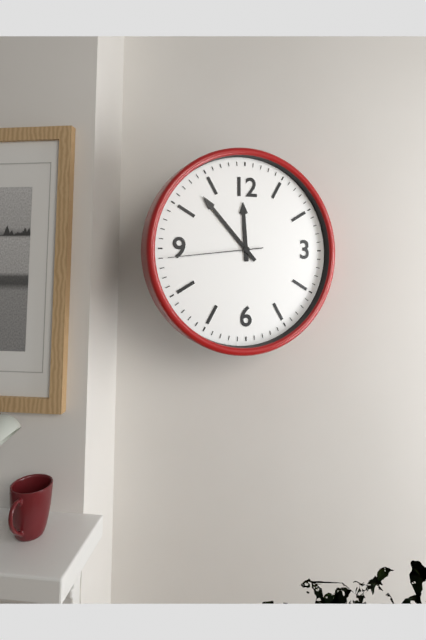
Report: 11:53:44
